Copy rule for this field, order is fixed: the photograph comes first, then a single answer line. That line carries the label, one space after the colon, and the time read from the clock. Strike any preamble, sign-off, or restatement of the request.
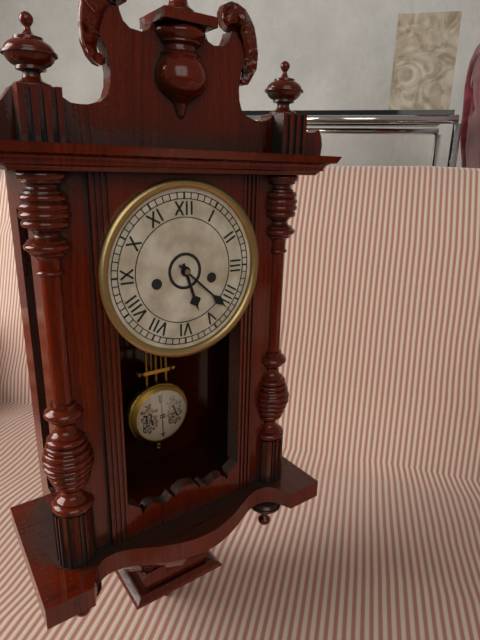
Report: 5:22
